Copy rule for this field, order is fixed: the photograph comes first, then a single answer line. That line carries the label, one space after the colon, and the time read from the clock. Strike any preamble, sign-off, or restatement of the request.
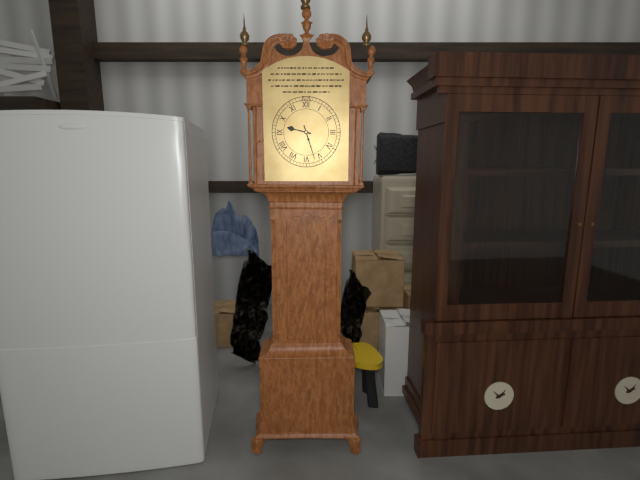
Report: 9:27
